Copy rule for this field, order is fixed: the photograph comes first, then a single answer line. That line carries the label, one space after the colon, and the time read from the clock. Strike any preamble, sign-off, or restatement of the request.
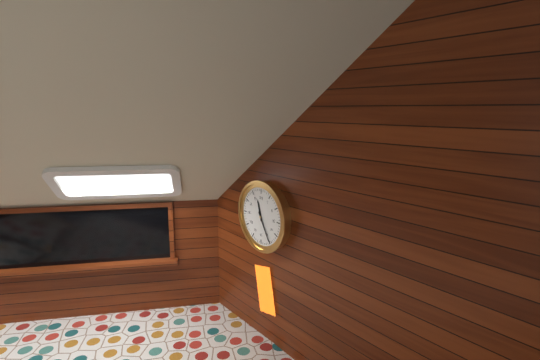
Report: 11:25
